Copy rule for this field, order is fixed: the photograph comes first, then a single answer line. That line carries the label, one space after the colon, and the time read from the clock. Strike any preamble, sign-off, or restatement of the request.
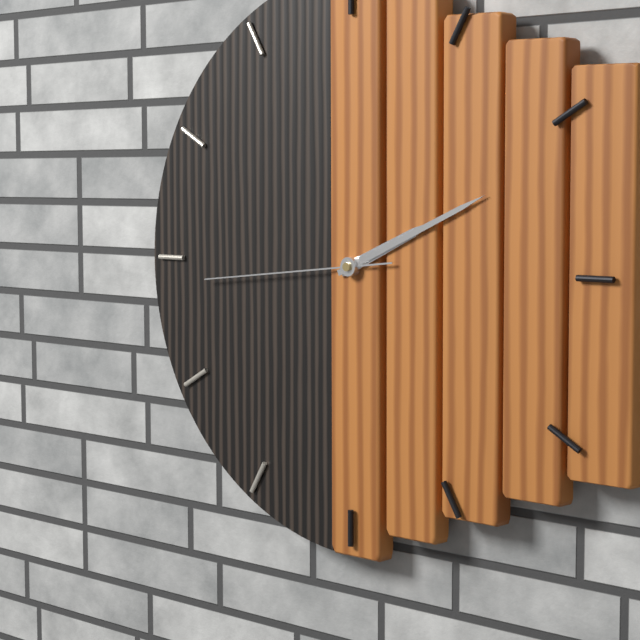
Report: 2:11:44
